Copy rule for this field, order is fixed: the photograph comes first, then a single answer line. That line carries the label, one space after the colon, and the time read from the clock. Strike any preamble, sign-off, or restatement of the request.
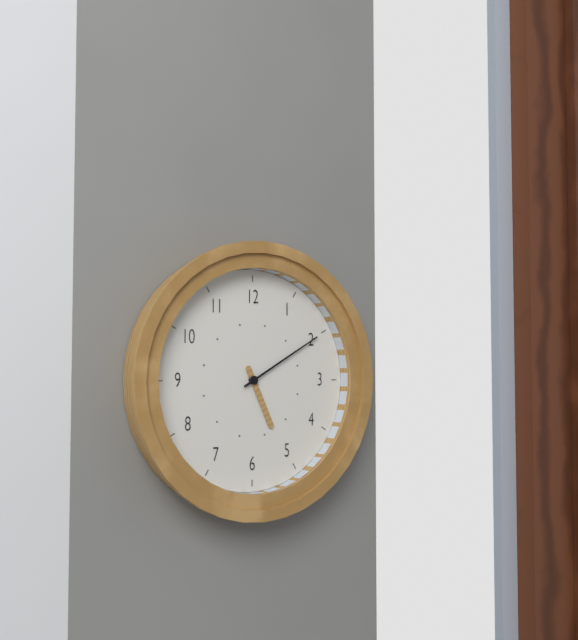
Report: 5:10
